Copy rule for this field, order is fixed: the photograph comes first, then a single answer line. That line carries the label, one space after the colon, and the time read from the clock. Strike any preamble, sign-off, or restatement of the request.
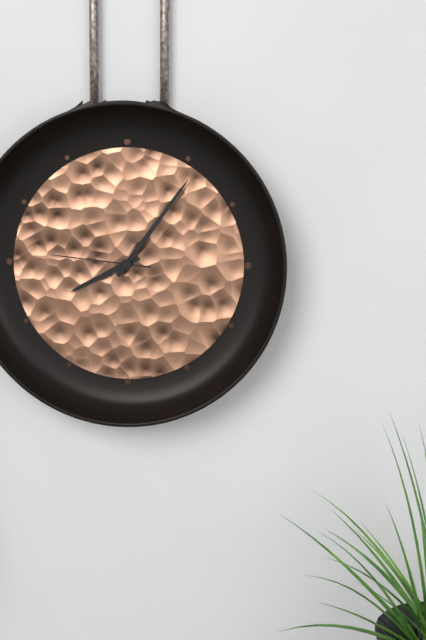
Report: 8:06:46
